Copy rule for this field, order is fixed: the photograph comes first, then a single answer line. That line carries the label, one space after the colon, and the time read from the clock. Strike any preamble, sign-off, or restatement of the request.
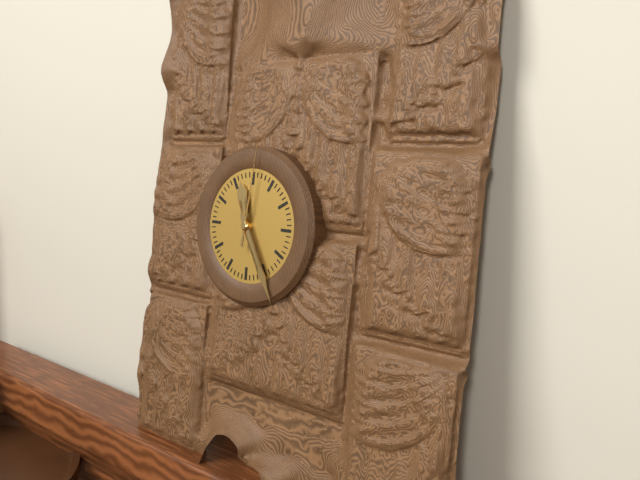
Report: 11:25:01
